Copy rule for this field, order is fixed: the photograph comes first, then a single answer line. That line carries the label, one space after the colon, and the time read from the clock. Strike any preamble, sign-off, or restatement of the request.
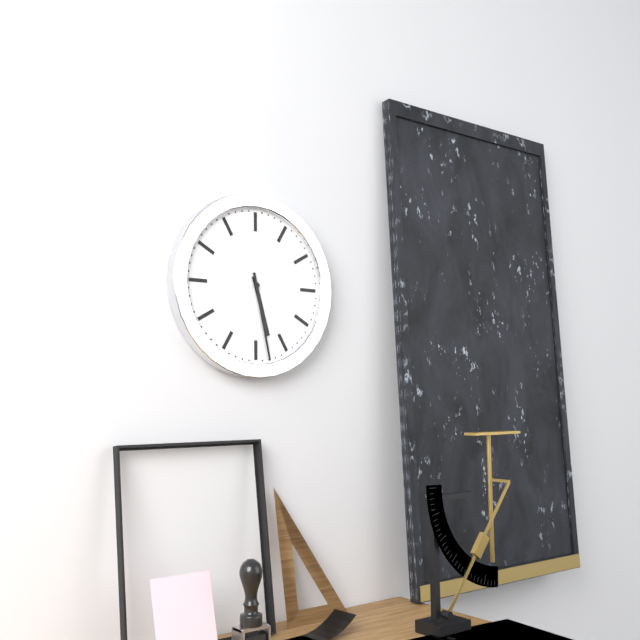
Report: 5:28
